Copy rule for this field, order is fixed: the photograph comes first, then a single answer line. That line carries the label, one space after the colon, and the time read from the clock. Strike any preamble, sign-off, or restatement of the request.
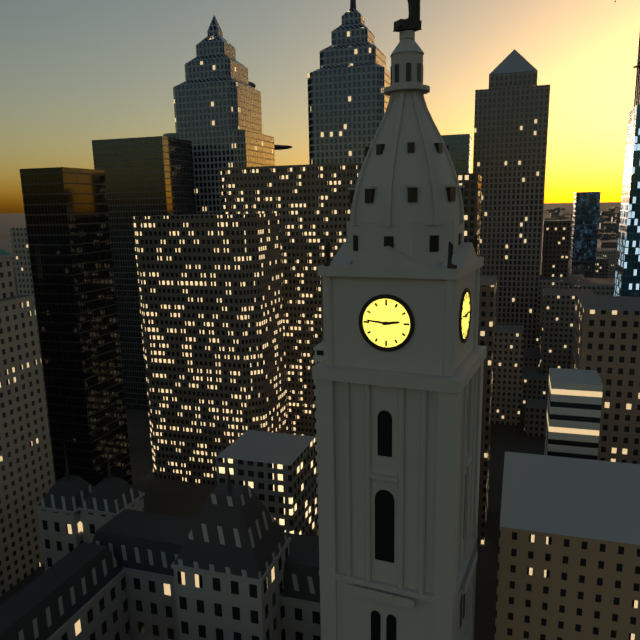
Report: 2:46
